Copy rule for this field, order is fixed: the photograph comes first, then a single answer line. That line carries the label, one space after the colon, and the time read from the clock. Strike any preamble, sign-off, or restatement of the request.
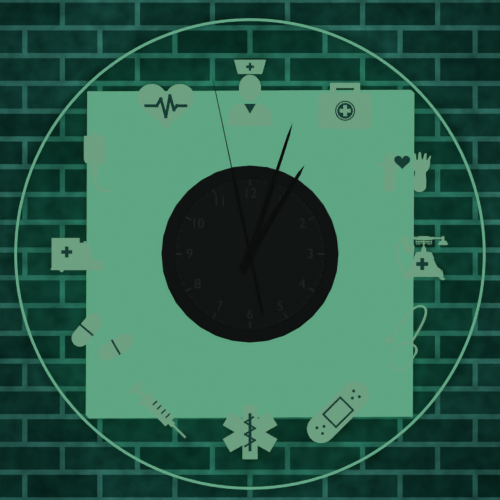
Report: 1:03:58
